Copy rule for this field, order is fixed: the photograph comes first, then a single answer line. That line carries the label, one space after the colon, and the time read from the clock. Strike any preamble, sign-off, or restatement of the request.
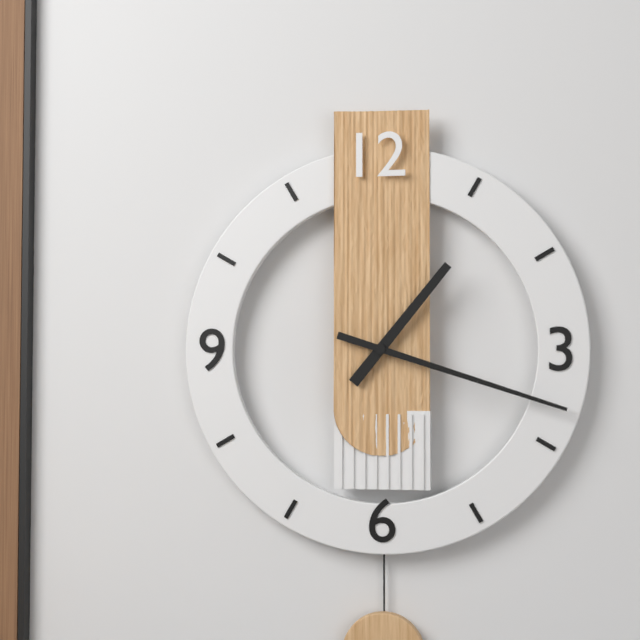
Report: 1:18
